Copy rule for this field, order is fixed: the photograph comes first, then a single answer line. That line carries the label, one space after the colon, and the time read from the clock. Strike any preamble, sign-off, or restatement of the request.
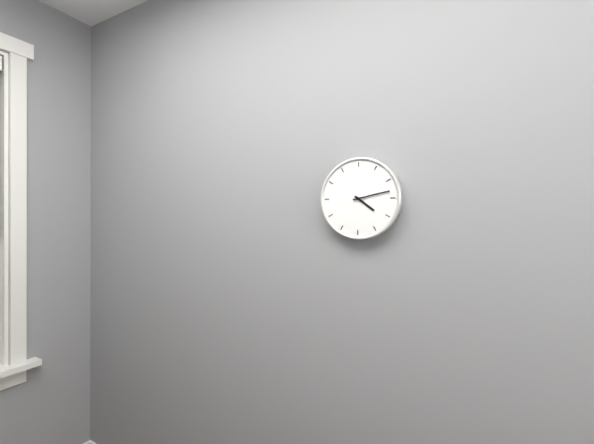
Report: 4:13
